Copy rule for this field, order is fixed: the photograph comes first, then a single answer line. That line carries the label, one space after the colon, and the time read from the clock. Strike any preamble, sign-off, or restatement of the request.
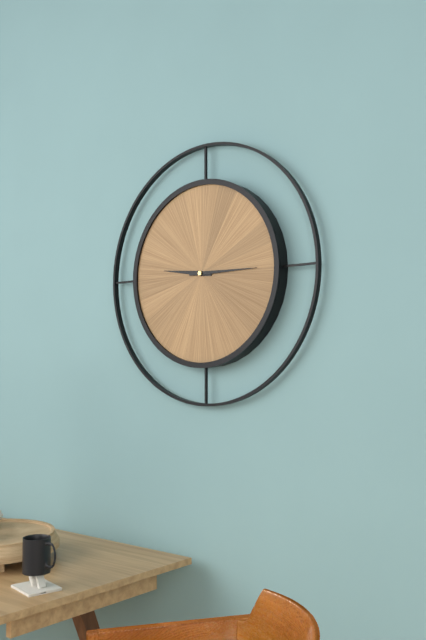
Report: 9:15
